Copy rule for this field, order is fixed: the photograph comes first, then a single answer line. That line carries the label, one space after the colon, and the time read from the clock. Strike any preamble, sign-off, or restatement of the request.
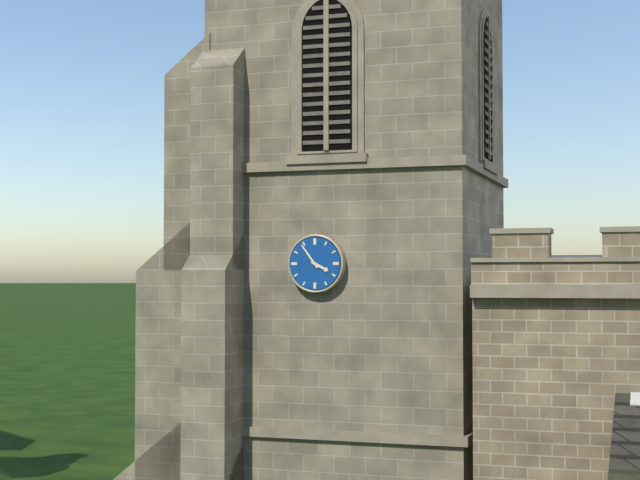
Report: 3:54
